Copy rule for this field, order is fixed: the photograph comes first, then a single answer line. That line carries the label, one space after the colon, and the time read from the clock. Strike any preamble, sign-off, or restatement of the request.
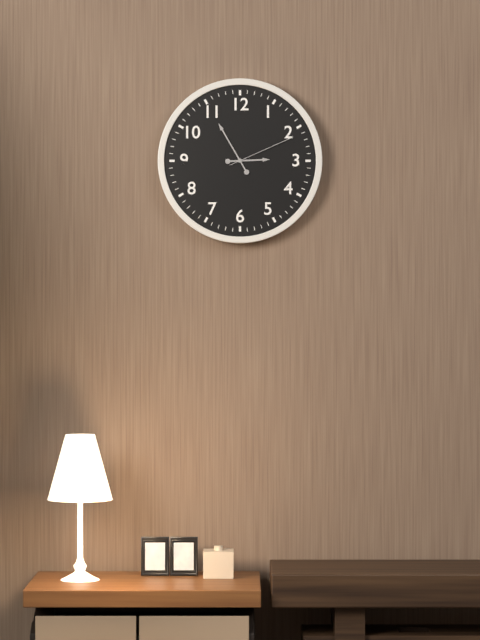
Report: 2:55:11
